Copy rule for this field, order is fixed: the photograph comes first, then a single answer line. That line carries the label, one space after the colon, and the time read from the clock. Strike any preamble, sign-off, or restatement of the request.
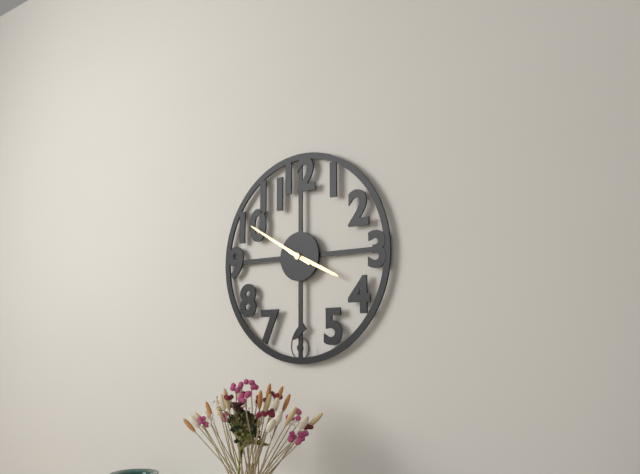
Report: 3:50
